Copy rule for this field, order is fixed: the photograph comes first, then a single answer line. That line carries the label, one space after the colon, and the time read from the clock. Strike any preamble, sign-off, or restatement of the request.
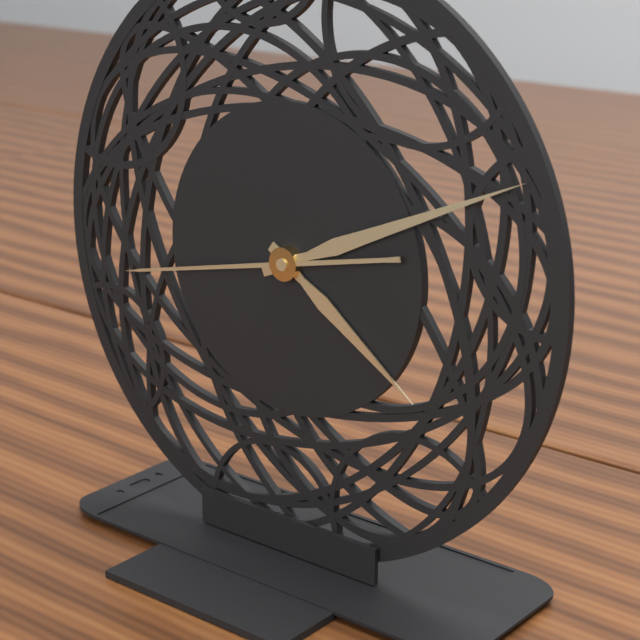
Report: 4:11:43
